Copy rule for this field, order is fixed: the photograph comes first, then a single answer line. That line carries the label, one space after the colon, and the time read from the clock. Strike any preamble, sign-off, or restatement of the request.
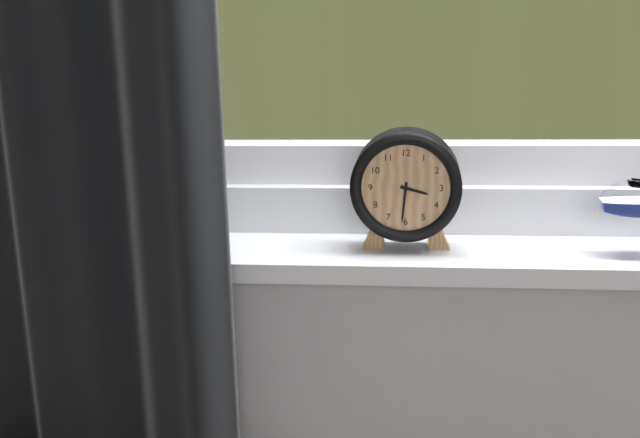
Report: 3:31
